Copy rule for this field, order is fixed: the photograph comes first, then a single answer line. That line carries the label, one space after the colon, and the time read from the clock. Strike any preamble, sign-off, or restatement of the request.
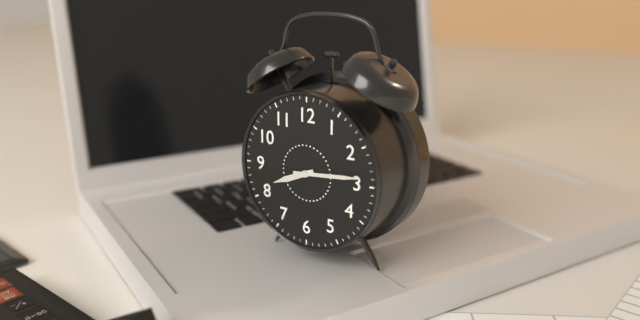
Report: 8:14
